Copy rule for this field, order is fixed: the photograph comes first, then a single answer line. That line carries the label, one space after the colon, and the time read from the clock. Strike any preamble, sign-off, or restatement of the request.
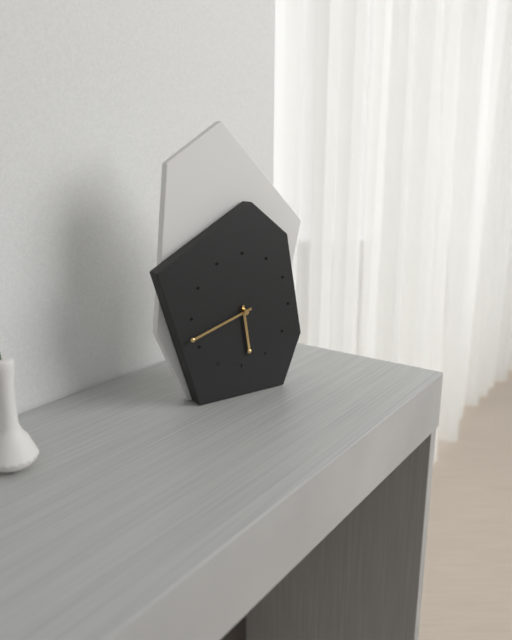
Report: 5:42
